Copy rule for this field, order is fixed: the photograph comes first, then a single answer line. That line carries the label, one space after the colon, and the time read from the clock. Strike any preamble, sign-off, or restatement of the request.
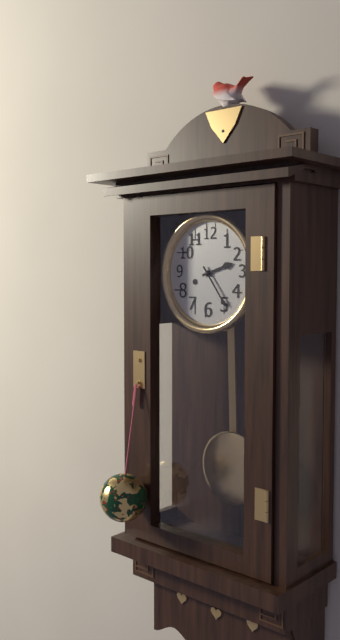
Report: 2:24
